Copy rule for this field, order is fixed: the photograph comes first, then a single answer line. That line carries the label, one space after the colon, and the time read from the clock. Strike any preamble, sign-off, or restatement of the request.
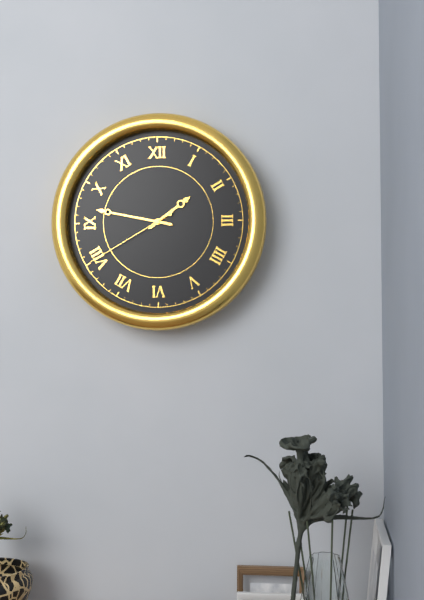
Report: 1:47:40
